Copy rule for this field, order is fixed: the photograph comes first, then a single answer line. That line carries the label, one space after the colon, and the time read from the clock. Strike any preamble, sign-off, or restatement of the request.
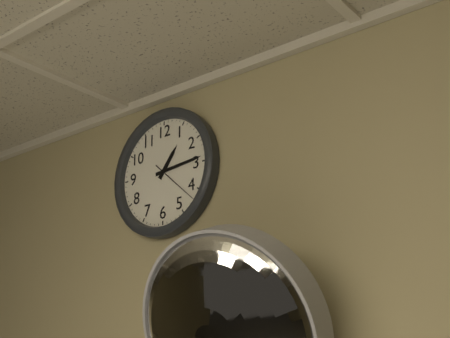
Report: 1:14
